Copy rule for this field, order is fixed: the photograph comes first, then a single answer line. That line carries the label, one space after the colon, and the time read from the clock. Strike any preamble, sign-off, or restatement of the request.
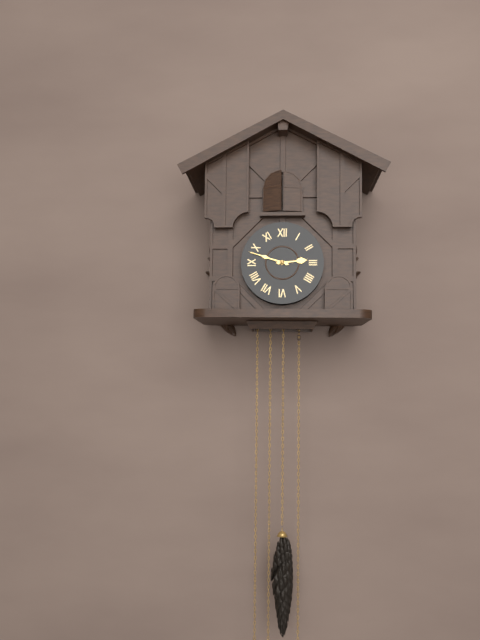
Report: 2:48
